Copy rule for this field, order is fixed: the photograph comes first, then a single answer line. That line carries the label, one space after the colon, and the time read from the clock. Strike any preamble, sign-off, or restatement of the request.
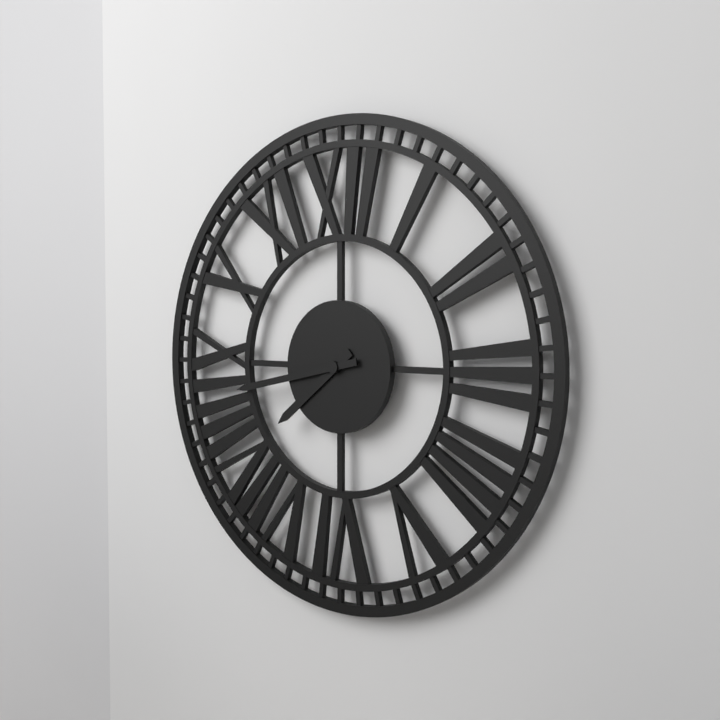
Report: 7:43
